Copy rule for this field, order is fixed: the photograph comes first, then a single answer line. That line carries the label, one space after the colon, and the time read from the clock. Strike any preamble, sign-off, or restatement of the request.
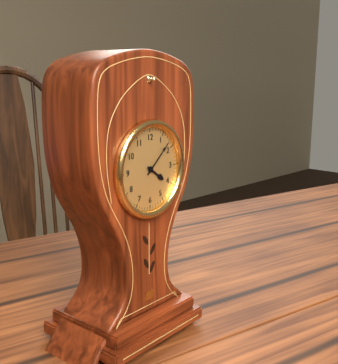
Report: 4:08
